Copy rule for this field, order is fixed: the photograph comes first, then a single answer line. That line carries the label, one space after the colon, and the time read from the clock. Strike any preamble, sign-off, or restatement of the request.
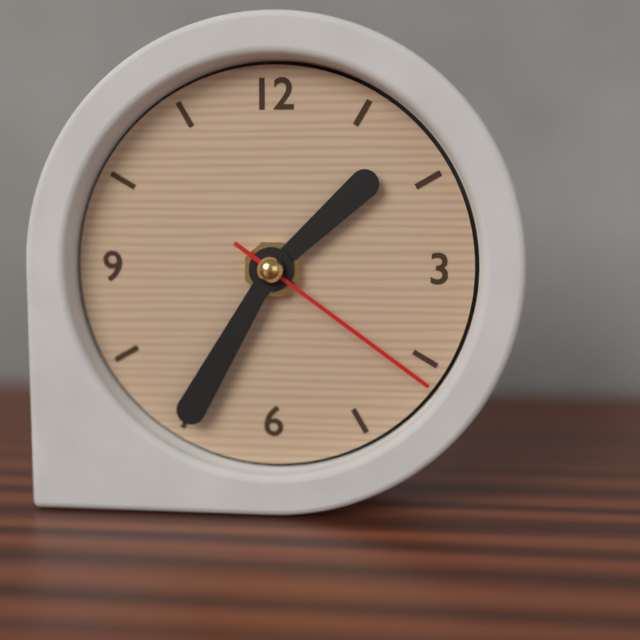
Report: 1:35:21
